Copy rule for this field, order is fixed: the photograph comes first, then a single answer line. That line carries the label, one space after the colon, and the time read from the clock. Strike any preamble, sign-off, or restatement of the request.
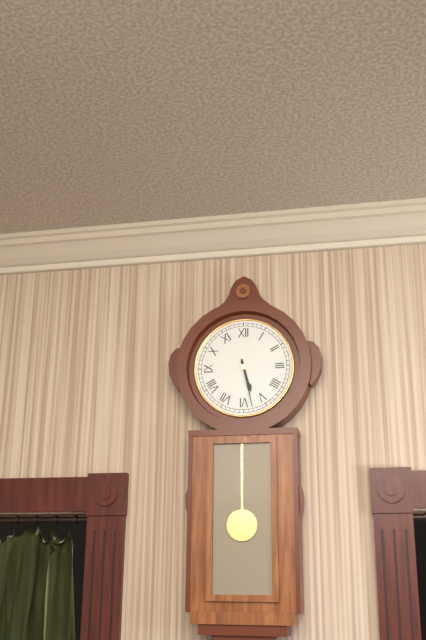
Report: 5:28
